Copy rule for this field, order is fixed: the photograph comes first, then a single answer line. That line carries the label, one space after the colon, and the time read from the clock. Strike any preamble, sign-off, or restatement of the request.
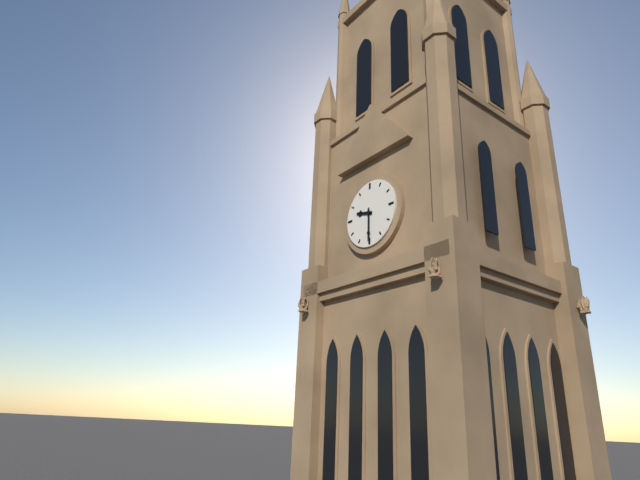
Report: 9:30
